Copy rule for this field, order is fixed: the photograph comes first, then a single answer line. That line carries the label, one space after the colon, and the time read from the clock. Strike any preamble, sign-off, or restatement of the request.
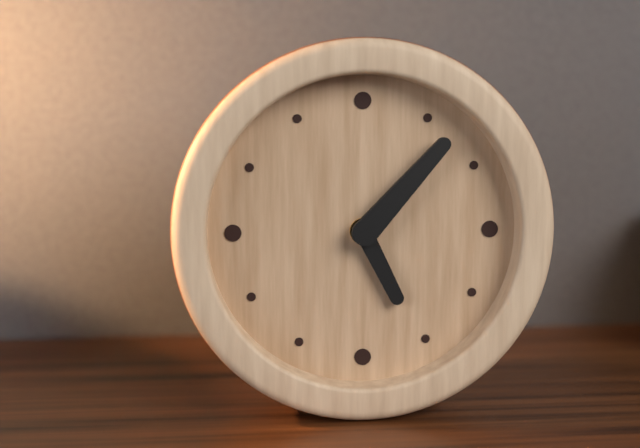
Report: 5:07
